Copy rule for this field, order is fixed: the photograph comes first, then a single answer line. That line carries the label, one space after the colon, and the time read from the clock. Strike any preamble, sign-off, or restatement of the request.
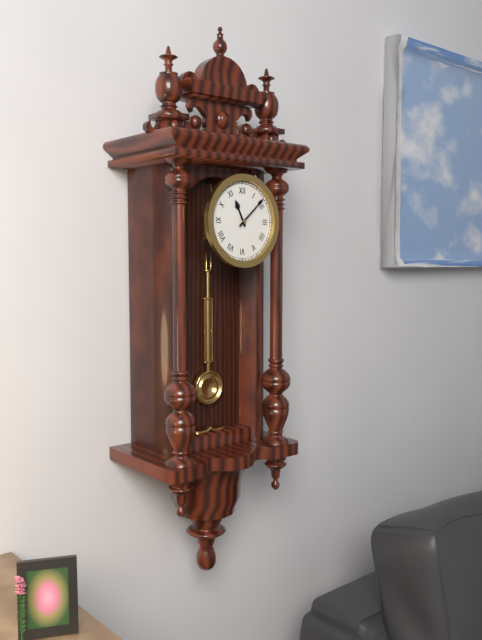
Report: 11:08
